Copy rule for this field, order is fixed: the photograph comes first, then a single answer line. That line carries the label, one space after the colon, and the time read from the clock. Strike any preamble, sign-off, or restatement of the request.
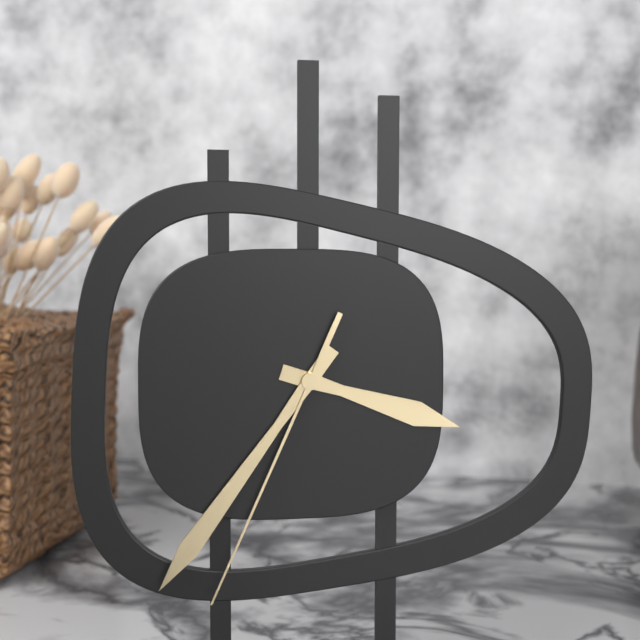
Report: 3:36:34
